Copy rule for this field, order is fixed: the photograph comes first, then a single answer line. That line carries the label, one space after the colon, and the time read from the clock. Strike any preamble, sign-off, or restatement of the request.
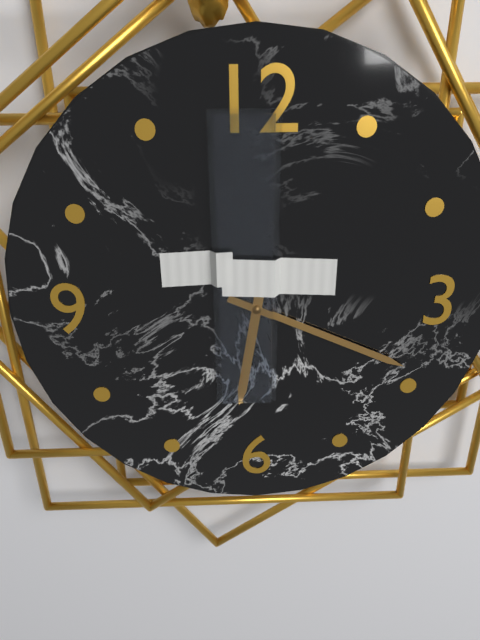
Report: 6:19
